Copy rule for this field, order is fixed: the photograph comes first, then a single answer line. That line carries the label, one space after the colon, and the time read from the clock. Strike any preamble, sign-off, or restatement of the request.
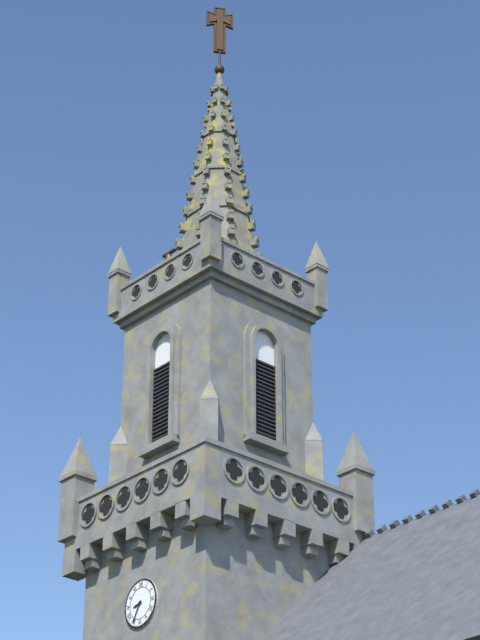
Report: 8:35
